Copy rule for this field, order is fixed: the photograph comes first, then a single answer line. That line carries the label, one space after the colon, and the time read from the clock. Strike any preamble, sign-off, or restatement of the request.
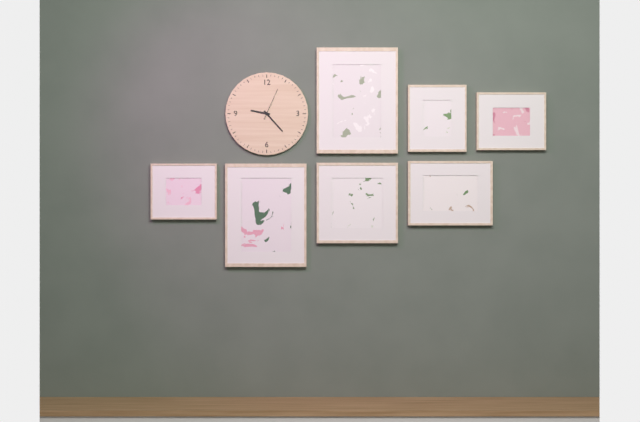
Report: 9:23
